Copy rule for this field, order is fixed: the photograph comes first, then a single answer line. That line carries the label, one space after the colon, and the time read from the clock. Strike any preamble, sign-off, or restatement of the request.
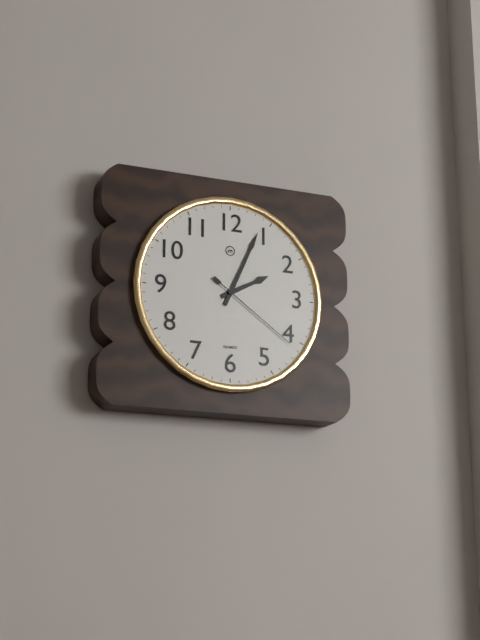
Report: 2:04:21
